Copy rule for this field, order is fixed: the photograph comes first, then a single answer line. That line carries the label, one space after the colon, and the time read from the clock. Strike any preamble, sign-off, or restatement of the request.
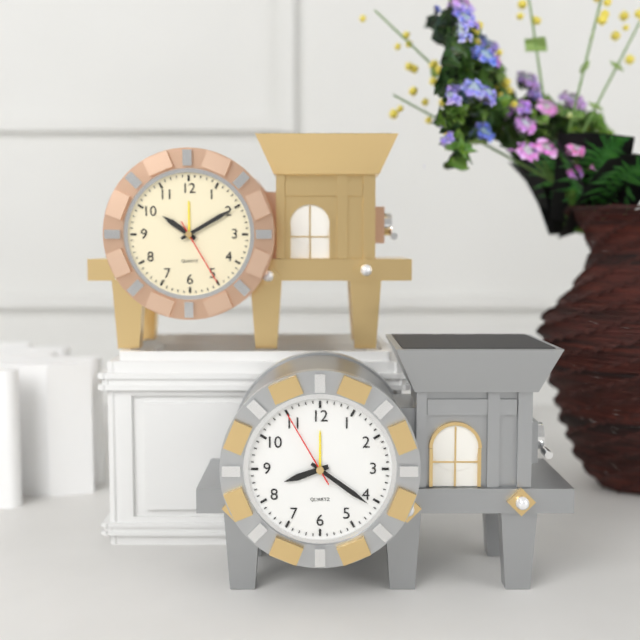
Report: 8:21:55
